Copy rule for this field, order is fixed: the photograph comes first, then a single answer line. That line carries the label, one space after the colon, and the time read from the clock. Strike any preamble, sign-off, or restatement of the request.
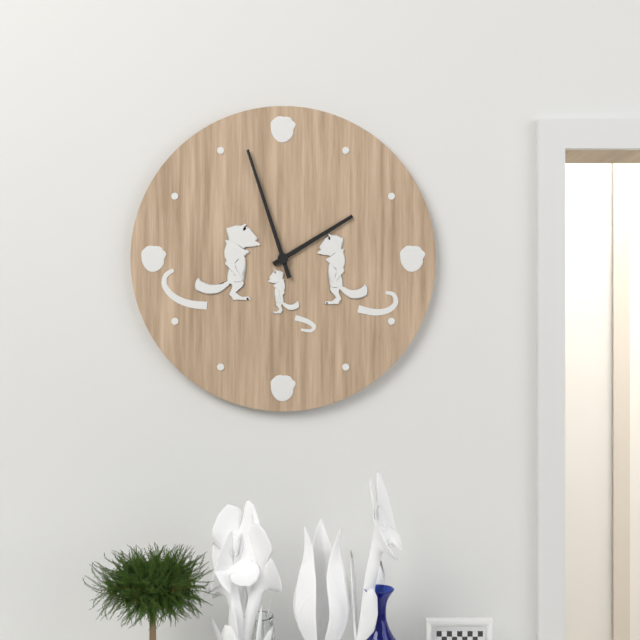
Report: 1:57
